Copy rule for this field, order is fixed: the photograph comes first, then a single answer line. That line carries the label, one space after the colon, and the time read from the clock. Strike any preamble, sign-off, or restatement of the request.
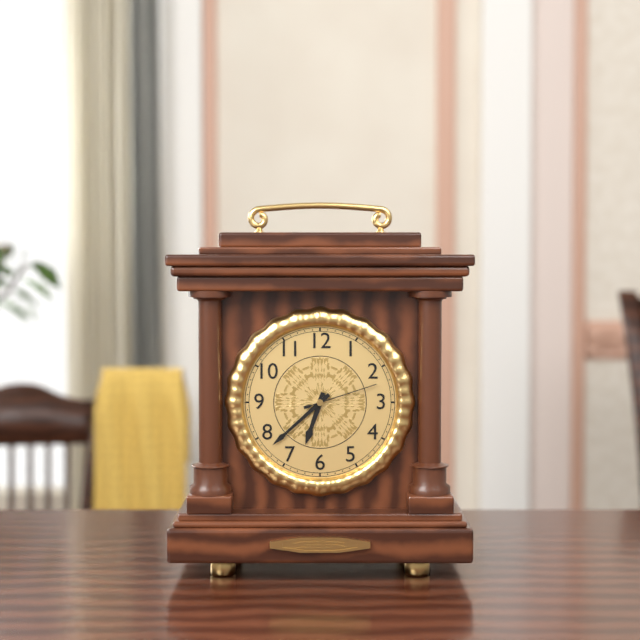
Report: 6:38:12
